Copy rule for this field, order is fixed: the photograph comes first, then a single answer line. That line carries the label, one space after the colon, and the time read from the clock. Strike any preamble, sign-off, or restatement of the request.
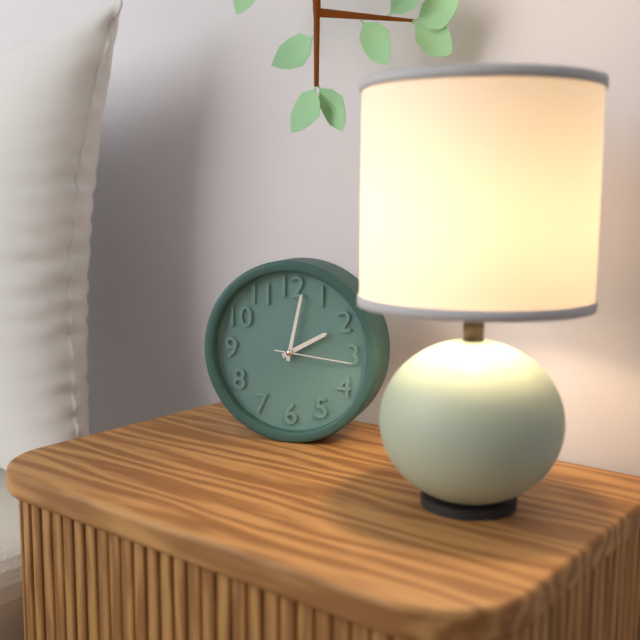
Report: 2:02:16
